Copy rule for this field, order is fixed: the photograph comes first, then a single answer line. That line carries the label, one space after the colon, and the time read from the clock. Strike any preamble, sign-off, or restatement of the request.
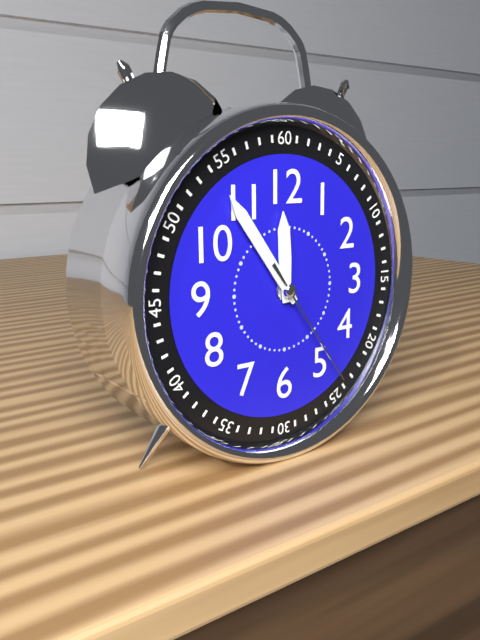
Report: 11:54:24
